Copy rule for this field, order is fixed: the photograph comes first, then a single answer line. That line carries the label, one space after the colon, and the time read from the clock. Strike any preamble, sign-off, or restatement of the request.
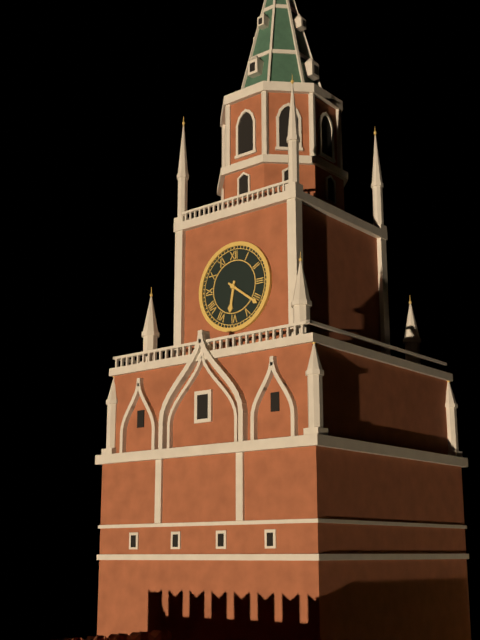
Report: 6:21
